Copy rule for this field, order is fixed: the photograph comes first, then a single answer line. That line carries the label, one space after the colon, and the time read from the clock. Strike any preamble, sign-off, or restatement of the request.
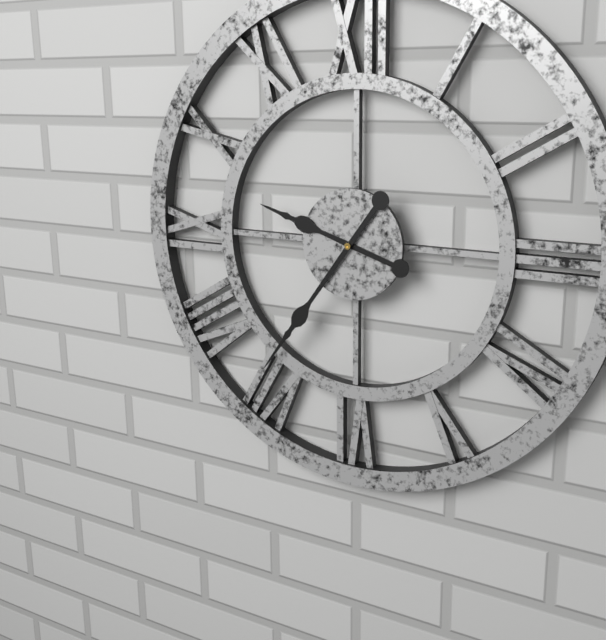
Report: 9:36
